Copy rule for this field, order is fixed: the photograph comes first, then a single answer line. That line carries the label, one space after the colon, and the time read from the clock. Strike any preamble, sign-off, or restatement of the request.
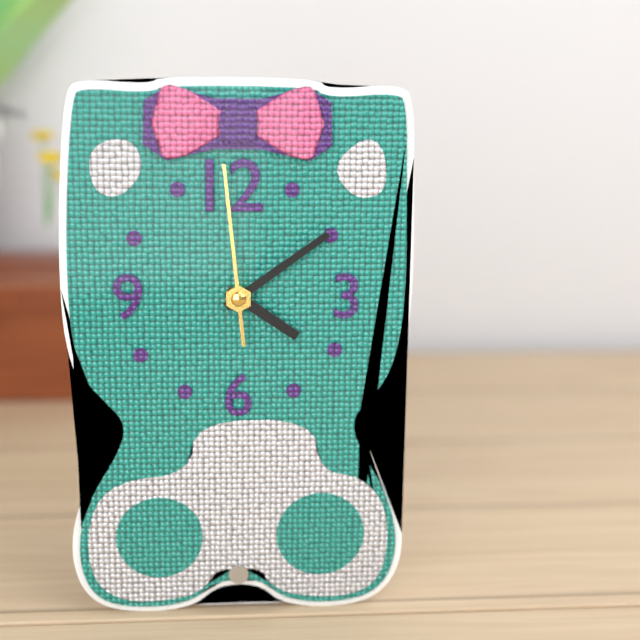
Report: 4:09:59
